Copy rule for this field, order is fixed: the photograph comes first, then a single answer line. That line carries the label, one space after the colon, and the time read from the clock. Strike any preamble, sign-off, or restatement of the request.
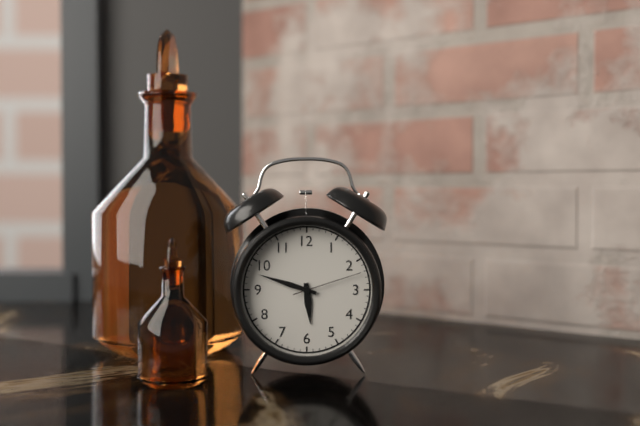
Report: 5:48:12
